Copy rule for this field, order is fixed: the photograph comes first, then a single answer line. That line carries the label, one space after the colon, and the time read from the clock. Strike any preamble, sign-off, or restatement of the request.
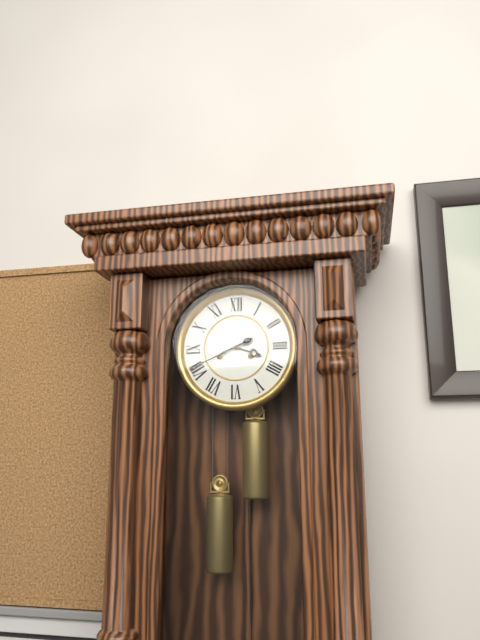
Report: 3:41
